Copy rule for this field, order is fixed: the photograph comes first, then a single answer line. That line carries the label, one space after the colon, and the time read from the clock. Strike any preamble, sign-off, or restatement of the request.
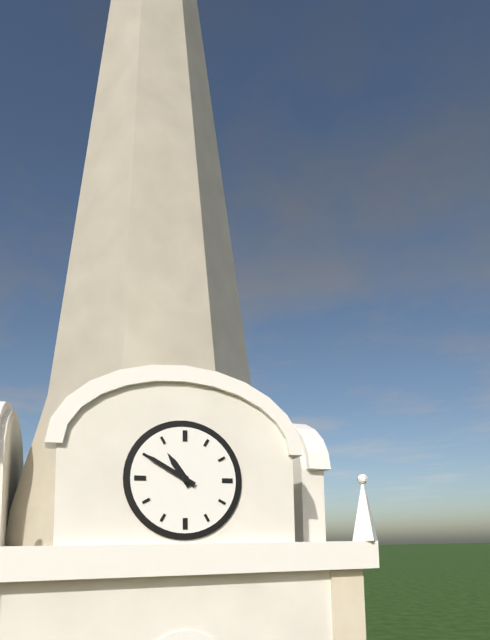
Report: 10:50
